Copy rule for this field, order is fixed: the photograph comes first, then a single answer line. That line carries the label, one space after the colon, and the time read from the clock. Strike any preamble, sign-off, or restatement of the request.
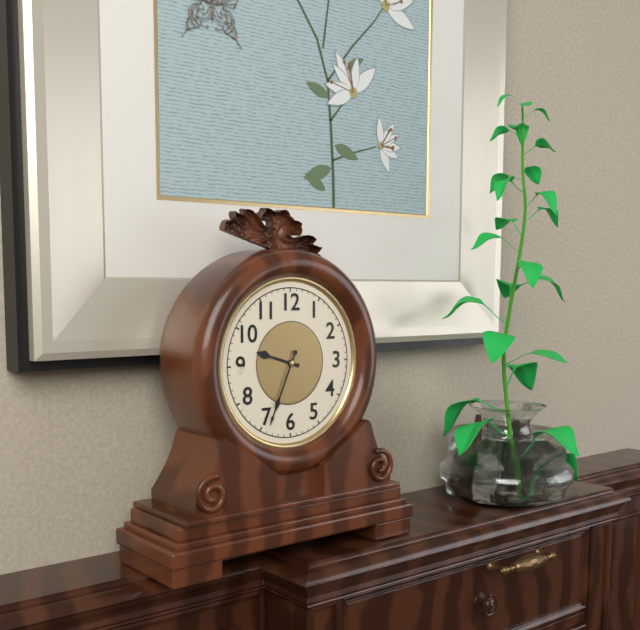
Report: 9:34
